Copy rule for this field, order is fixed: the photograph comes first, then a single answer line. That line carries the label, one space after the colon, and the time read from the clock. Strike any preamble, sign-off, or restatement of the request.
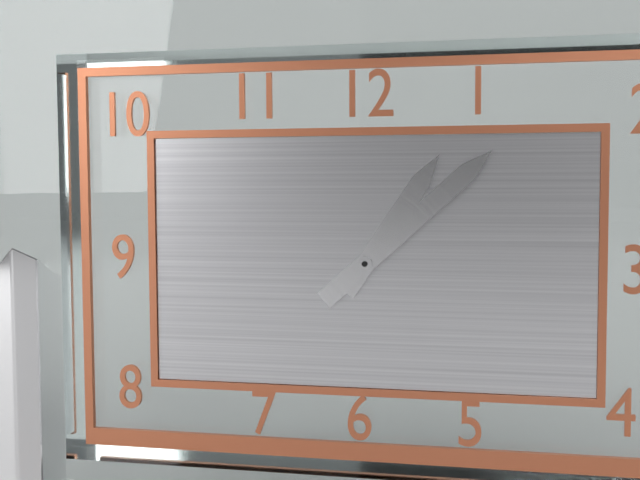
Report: 1:08
